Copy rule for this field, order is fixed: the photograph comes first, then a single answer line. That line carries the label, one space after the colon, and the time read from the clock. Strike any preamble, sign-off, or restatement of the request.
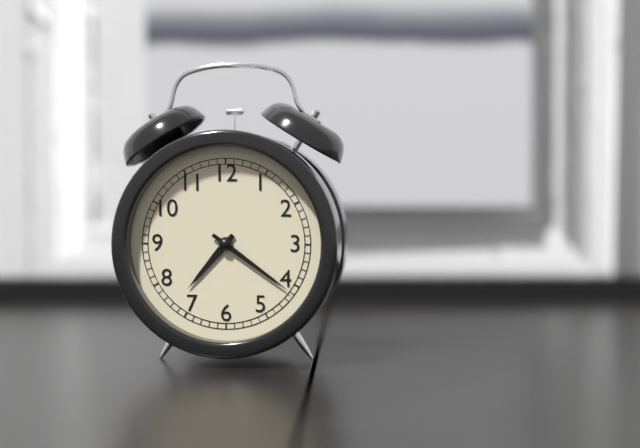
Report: 7:21
